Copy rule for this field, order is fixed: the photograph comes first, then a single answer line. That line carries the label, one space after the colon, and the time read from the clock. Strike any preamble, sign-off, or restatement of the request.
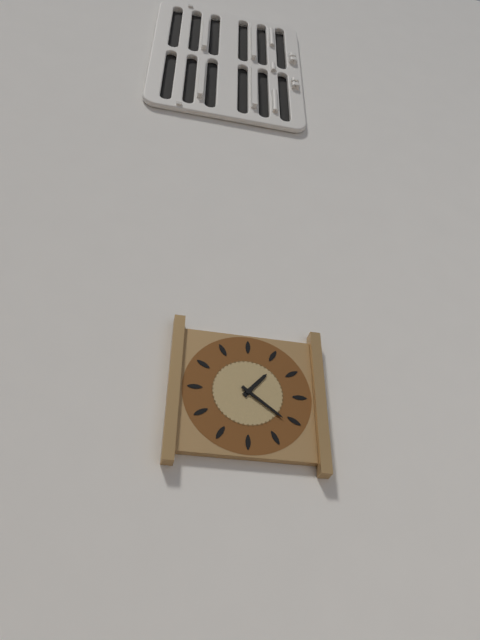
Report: 1:21
